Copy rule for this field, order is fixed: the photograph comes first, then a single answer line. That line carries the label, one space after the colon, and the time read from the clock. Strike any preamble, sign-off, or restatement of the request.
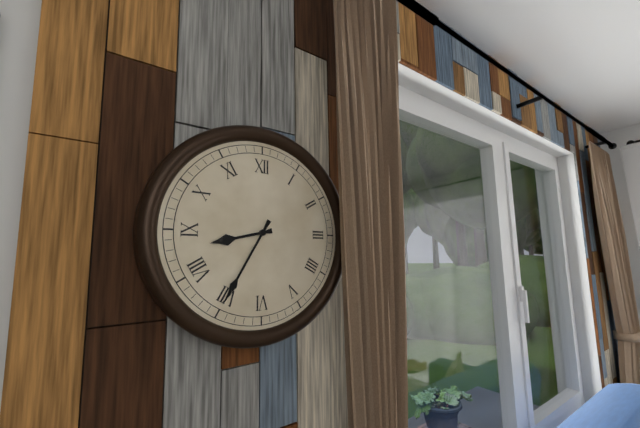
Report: 8:35
